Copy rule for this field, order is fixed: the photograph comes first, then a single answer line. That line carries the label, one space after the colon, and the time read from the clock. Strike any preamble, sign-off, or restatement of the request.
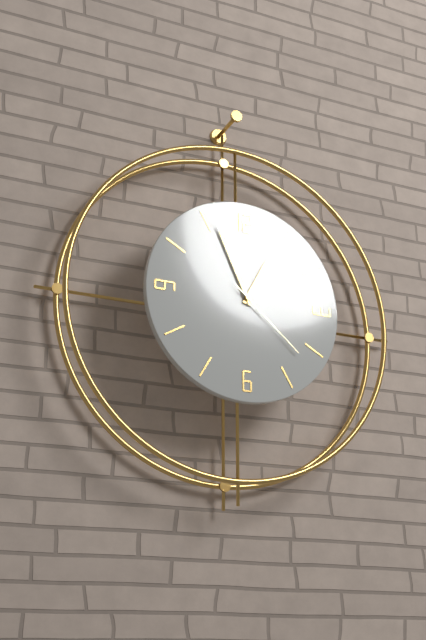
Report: 12:56:22
